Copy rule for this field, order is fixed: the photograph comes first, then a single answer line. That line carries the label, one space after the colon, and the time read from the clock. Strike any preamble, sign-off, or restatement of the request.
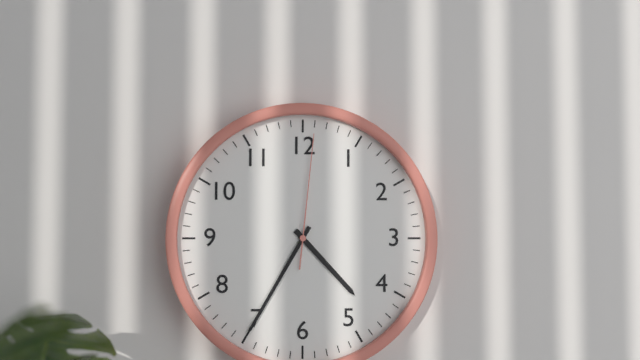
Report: 4:35:01
